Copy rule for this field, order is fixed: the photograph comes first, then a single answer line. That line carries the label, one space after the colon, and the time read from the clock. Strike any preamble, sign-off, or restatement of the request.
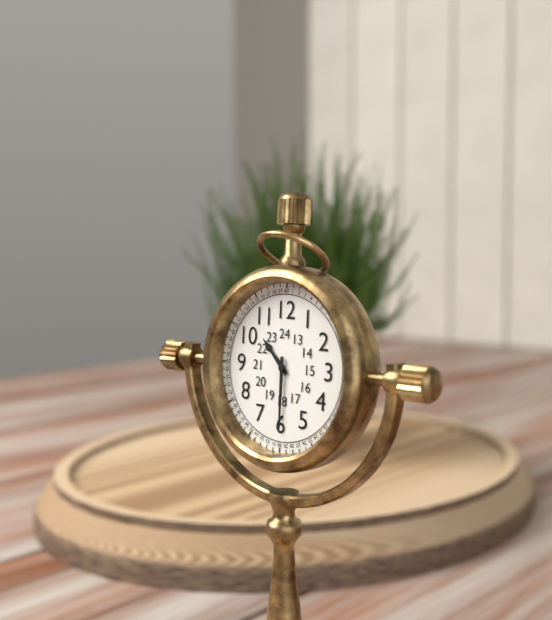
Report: 10:30
